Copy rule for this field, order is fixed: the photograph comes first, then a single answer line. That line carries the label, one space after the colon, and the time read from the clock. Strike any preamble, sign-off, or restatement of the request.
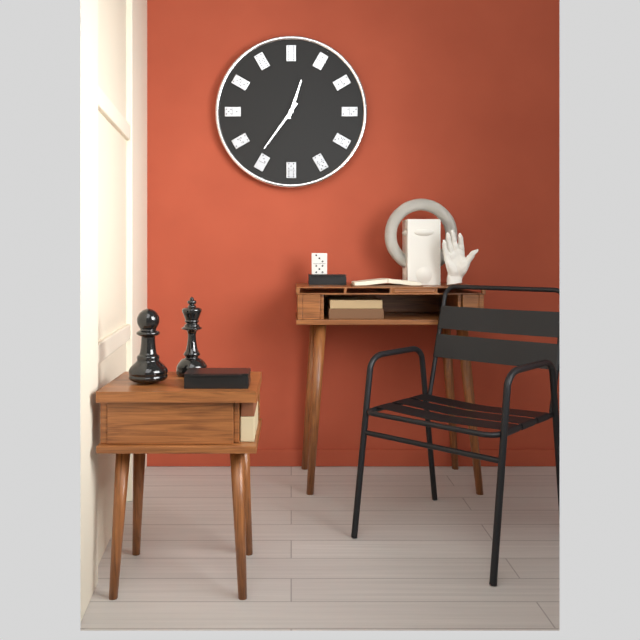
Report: 12:36
